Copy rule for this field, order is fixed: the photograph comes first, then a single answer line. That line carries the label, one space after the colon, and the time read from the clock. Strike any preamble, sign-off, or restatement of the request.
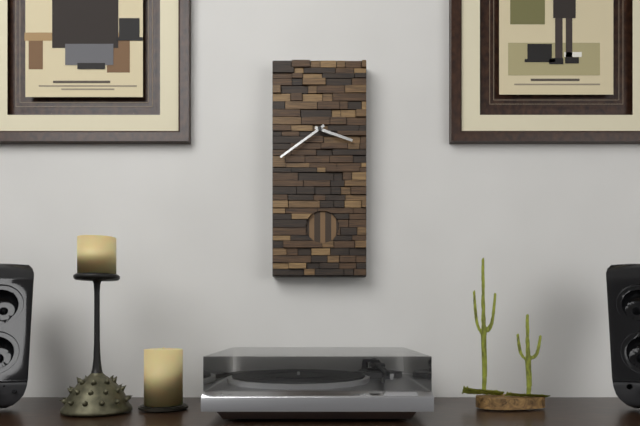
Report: 3:39
